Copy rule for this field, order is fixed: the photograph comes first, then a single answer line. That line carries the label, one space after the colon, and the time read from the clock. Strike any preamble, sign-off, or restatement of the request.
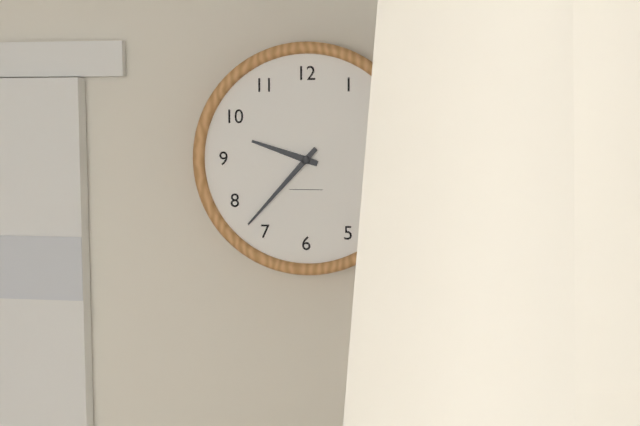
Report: 9:37
